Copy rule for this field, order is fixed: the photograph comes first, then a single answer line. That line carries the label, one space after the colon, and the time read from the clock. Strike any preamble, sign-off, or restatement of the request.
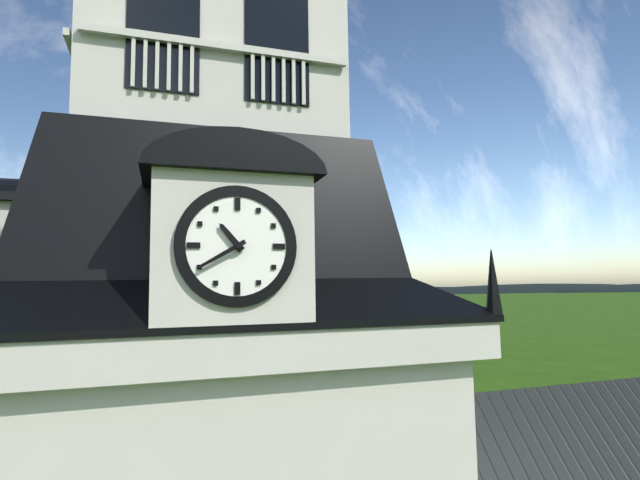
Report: 10:40
